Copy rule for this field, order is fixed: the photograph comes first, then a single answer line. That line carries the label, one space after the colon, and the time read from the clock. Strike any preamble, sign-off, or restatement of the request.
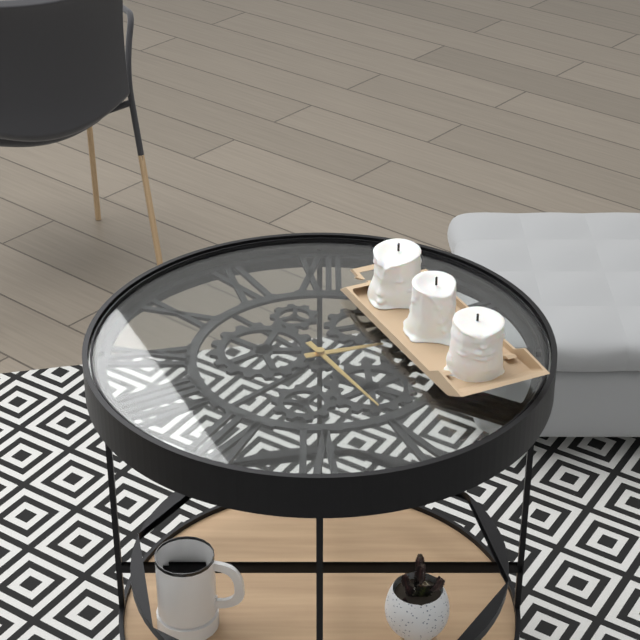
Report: 2:25
